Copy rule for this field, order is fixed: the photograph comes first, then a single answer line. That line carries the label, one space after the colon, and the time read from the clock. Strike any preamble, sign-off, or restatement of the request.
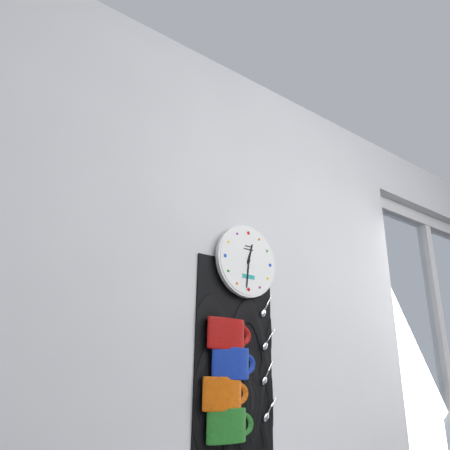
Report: 12:31
